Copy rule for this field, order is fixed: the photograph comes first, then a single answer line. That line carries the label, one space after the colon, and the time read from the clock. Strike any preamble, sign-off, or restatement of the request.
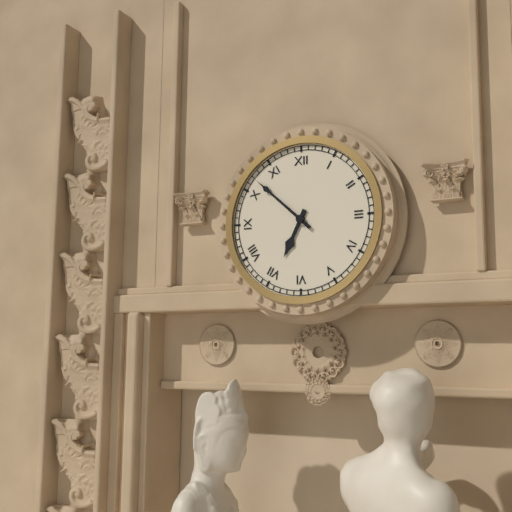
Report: 6:52
